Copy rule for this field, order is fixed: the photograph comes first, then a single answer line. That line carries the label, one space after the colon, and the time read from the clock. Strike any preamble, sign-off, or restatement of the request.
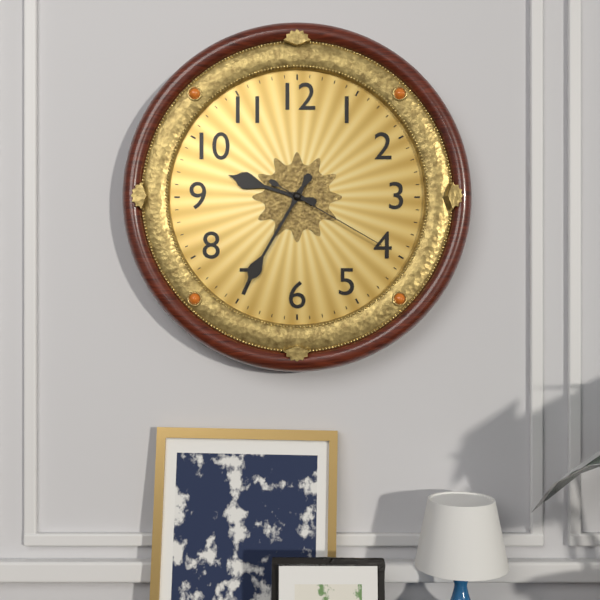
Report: 9:35:20
